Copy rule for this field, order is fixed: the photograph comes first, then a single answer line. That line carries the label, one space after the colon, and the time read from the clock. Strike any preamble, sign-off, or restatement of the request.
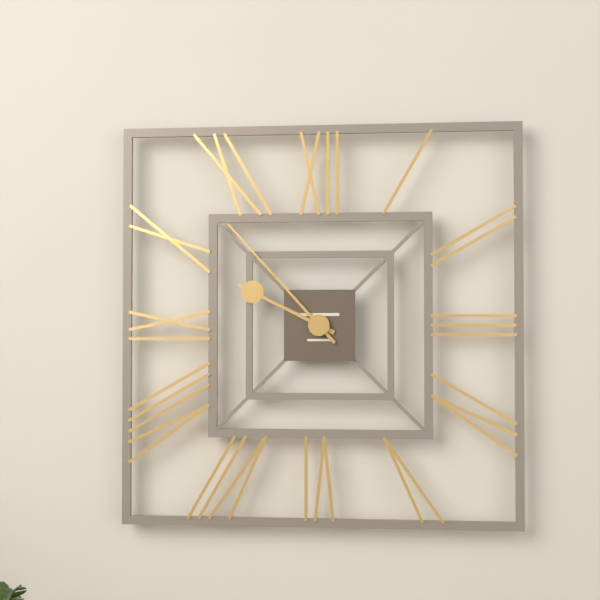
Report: 9:53
